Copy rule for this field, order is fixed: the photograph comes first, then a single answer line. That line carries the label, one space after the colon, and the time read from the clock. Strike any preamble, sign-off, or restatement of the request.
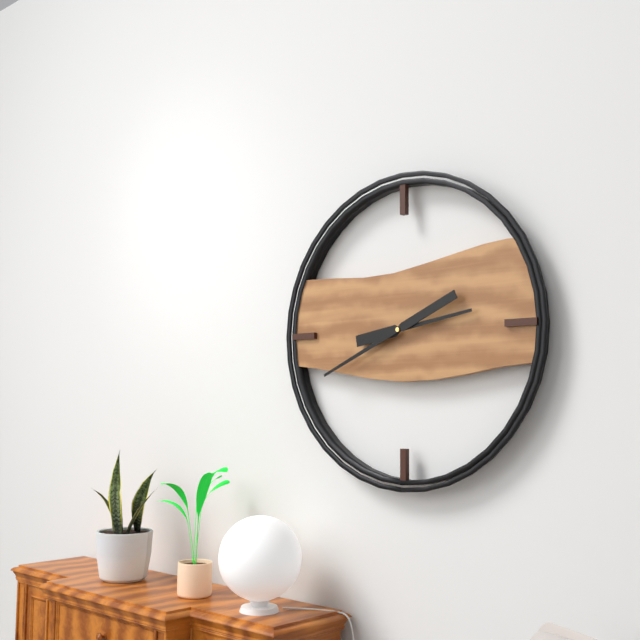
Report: 2:41
